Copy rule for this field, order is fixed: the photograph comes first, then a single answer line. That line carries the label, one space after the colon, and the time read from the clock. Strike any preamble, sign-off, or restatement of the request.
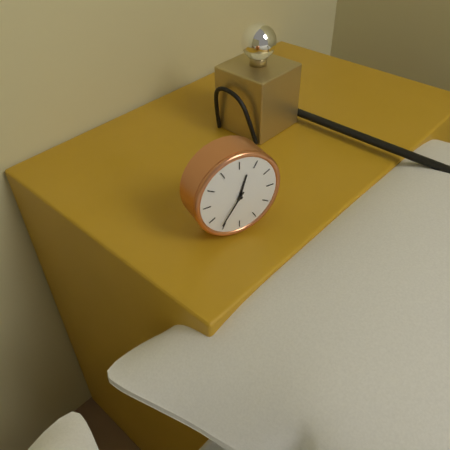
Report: 12:36
